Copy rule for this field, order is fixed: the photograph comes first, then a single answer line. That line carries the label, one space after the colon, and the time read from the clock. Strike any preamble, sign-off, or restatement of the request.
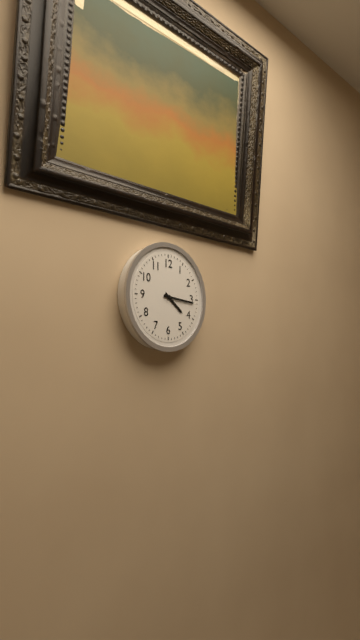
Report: 4:16
